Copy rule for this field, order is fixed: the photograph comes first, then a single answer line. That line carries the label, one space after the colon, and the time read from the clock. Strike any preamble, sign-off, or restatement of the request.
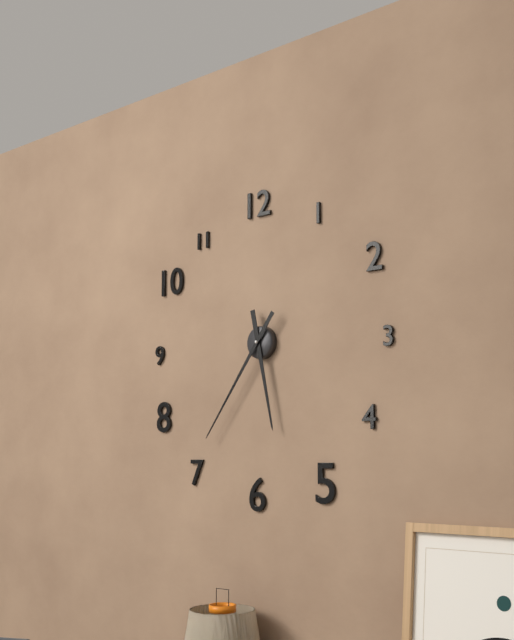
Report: 5:36
